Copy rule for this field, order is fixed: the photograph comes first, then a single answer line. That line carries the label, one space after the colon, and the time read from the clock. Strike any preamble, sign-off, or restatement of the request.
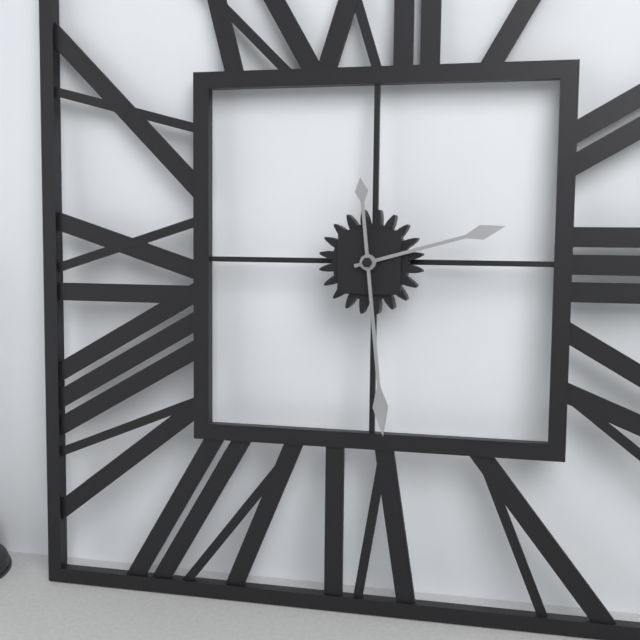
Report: 2:29
